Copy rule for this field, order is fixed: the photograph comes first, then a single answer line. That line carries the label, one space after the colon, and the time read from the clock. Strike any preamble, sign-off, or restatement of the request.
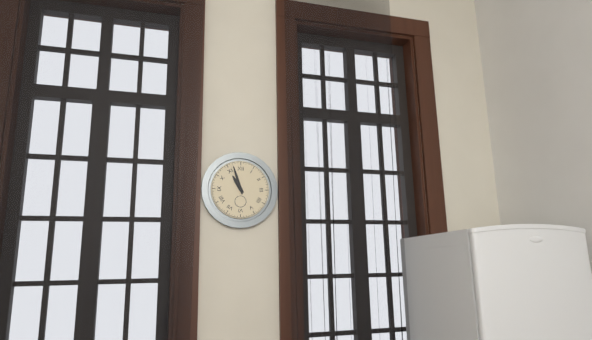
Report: 10:57
